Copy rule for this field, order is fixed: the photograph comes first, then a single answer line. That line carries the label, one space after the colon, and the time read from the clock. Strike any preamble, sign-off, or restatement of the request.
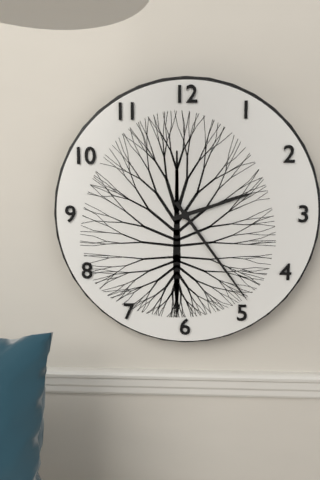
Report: 2:24
